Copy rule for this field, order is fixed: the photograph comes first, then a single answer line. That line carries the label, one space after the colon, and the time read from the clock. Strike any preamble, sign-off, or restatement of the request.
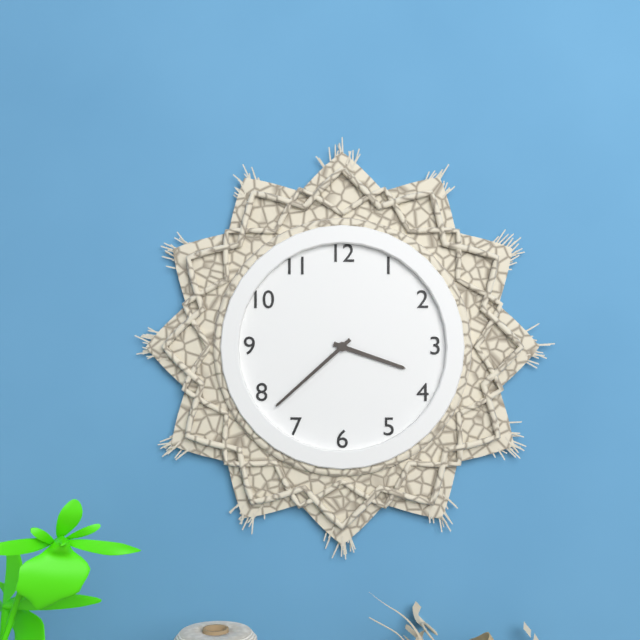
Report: 3:38
